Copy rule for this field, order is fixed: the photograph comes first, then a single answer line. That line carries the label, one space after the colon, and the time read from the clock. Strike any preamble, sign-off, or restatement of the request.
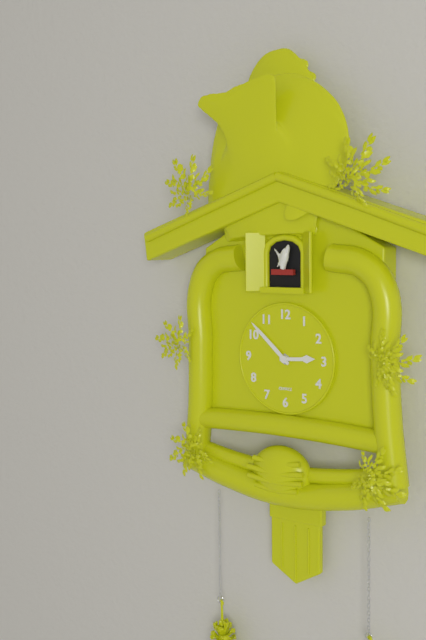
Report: 2:52
